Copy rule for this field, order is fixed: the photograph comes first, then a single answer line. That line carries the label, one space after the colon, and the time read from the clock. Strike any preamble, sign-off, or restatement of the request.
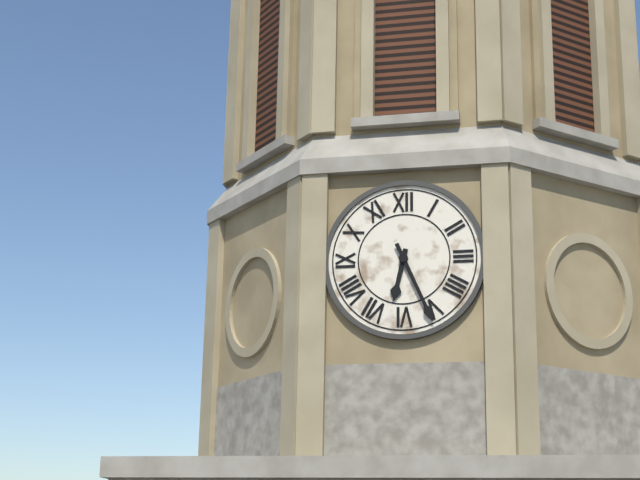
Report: 6:26
